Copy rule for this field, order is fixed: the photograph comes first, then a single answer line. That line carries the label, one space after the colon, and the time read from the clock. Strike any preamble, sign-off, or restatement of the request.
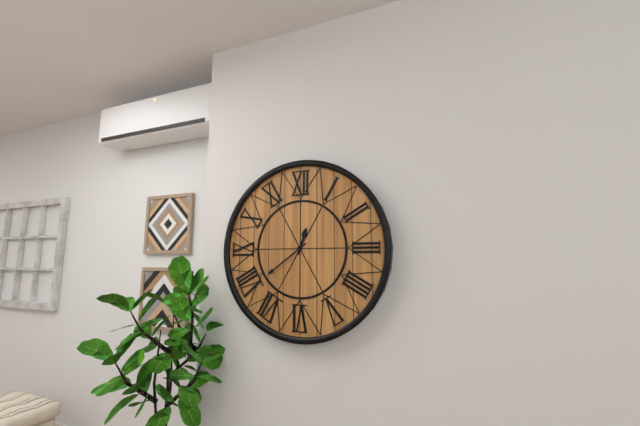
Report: 12:39
